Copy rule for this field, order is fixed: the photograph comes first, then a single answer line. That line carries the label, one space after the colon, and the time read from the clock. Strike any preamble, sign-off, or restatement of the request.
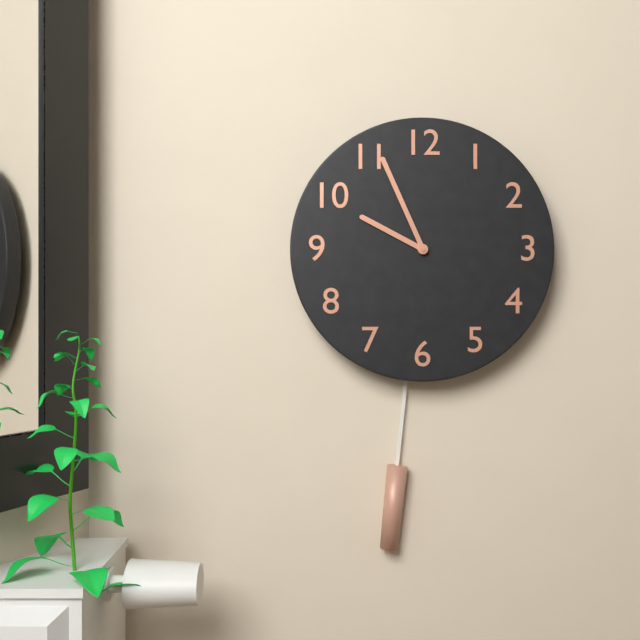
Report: 9:56
